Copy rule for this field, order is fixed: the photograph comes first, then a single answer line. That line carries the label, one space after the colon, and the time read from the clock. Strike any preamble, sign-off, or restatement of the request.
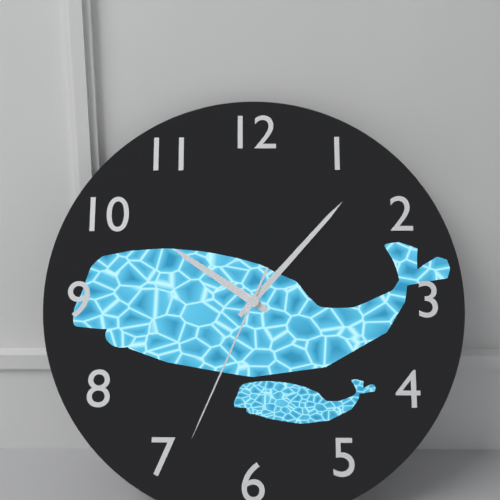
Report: 10:07:34
